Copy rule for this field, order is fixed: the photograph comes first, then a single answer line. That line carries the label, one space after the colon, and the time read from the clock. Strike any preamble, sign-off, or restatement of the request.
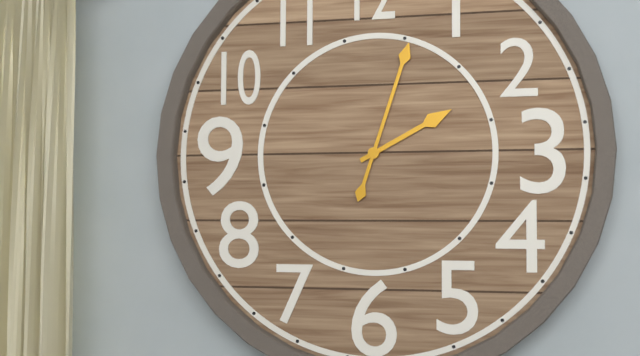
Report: 2:03
